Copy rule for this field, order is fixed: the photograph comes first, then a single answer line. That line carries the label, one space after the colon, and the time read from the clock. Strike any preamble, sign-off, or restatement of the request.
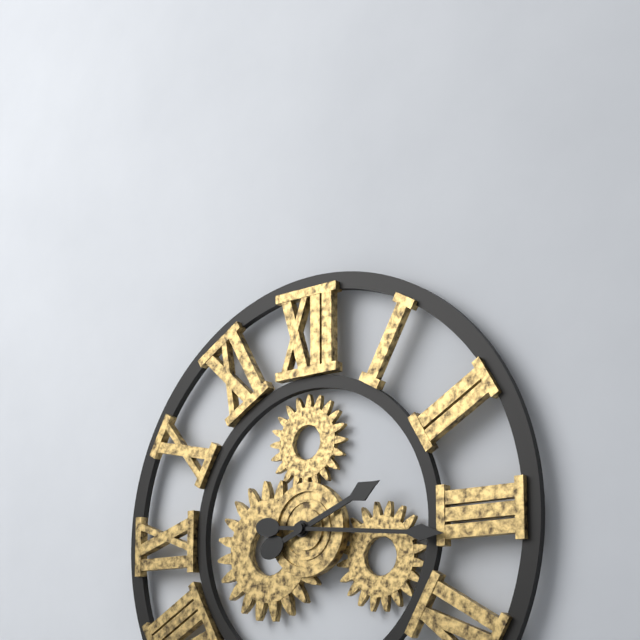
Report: 2:16
